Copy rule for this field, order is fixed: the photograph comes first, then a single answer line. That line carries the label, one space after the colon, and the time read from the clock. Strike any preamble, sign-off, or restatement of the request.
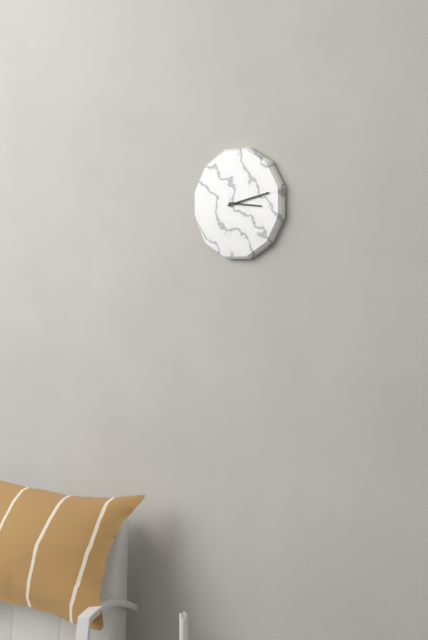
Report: 3:13
